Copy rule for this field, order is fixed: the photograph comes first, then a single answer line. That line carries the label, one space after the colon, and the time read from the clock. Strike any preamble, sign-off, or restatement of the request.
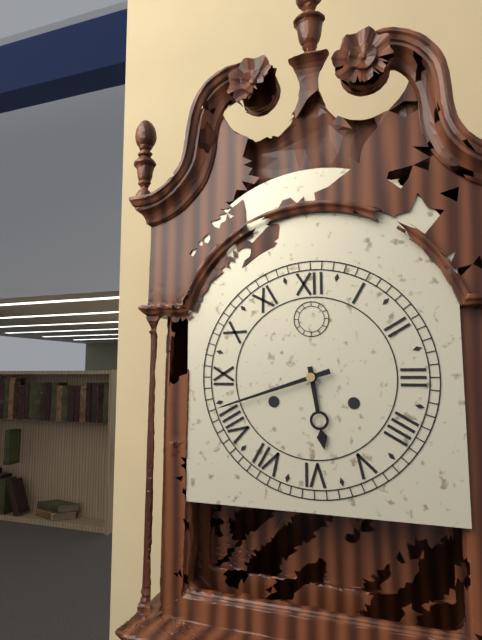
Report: 5:42
